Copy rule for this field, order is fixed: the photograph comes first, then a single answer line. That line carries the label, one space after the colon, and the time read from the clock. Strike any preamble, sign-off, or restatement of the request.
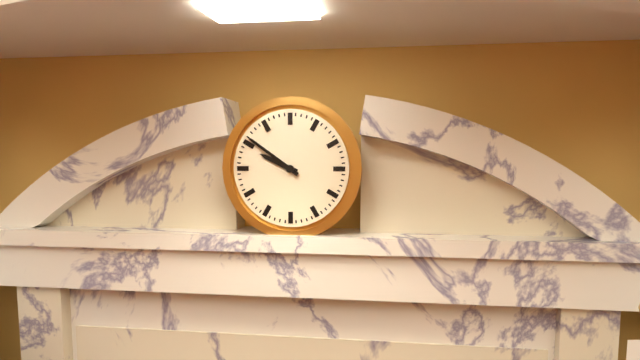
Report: 9:51
